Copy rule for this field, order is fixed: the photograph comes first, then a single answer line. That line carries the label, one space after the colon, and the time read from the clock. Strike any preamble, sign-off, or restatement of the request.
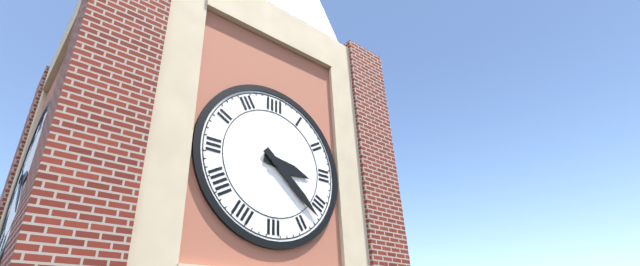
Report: 3:22
